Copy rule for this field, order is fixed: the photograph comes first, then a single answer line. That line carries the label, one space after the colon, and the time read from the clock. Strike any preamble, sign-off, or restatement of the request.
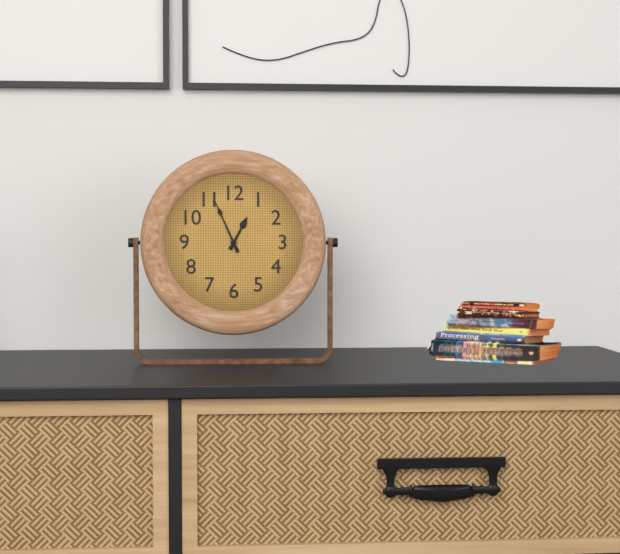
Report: 12:56
